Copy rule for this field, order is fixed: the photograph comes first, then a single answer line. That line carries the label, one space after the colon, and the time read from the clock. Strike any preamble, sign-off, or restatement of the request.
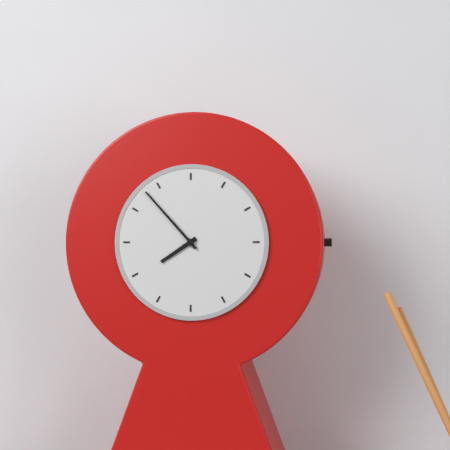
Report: 7:53
